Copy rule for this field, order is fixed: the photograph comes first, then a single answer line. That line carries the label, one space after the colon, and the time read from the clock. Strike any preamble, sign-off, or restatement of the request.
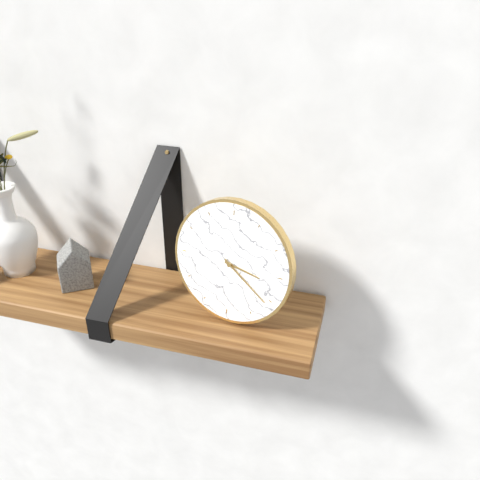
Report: 3:21
